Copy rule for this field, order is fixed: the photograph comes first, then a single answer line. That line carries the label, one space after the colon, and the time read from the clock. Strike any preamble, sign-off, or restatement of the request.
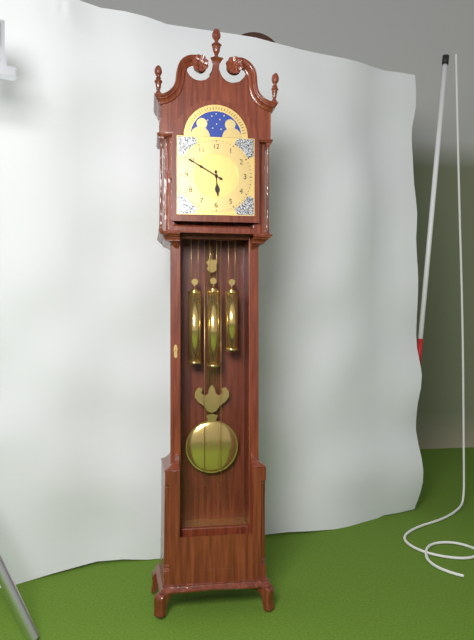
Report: 5:50
